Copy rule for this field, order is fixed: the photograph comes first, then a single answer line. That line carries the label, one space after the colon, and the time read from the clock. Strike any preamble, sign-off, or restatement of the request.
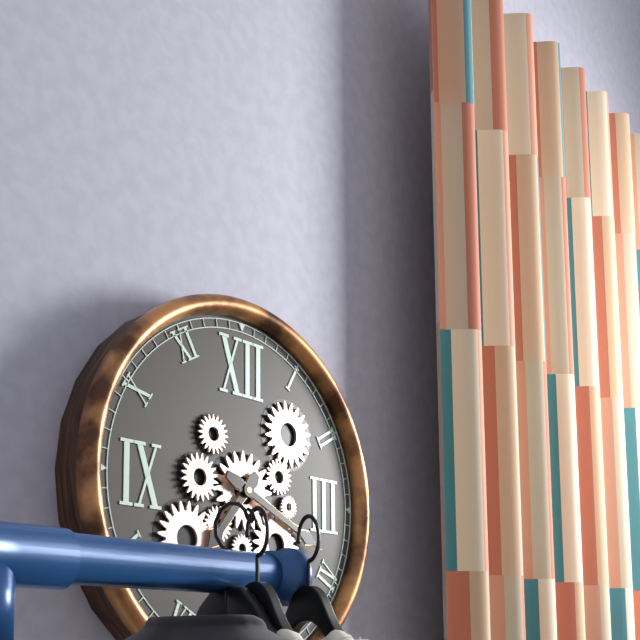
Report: 7:19
